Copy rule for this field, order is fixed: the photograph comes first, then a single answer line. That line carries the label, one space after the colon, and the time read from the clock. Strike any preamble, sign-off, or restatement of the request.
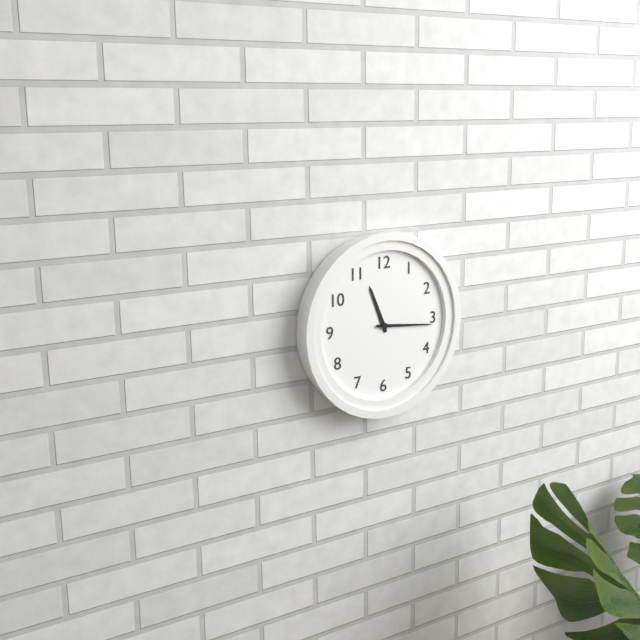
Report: 11:16
